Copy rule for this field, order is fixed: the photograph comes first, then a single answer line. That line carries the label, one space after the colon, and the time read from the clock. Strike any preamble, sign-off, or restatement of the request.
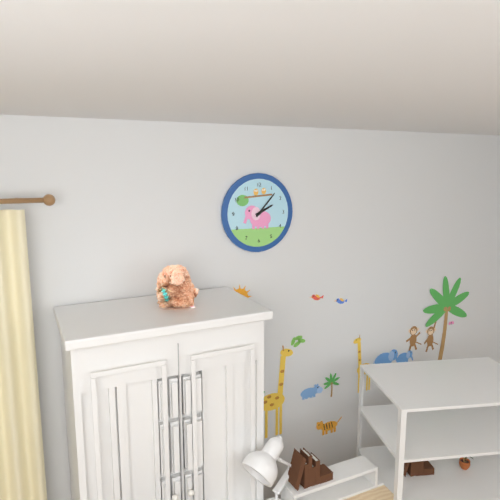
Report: 2:07
